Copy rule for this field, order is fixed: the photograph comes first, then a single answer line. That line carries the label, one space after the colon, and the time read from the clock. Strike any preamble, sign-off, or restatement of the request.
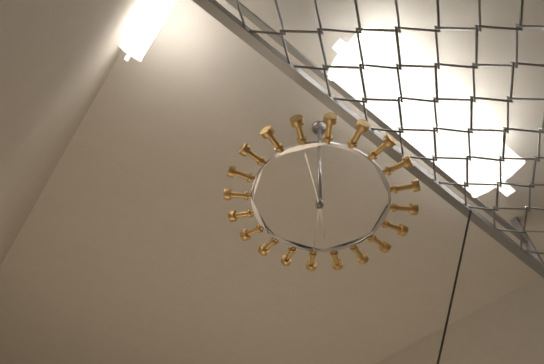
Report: 4:24:51
